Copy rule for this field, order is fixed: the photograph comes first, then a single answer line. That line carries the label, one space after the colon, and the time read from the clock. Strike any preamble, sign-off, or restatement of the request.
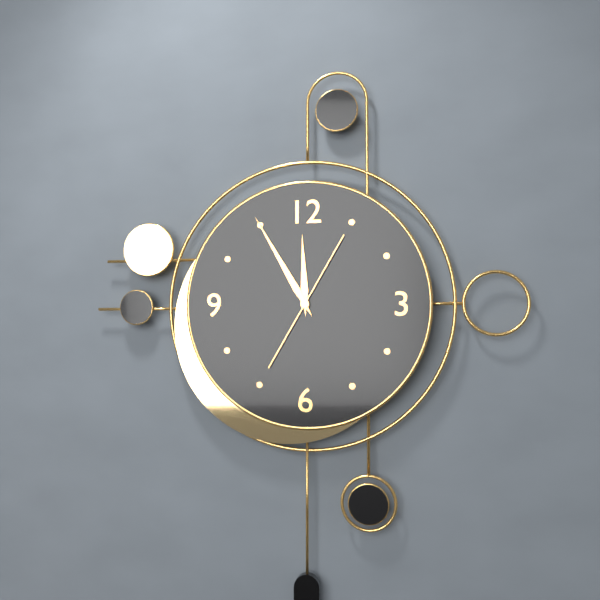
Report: 11:55:05
